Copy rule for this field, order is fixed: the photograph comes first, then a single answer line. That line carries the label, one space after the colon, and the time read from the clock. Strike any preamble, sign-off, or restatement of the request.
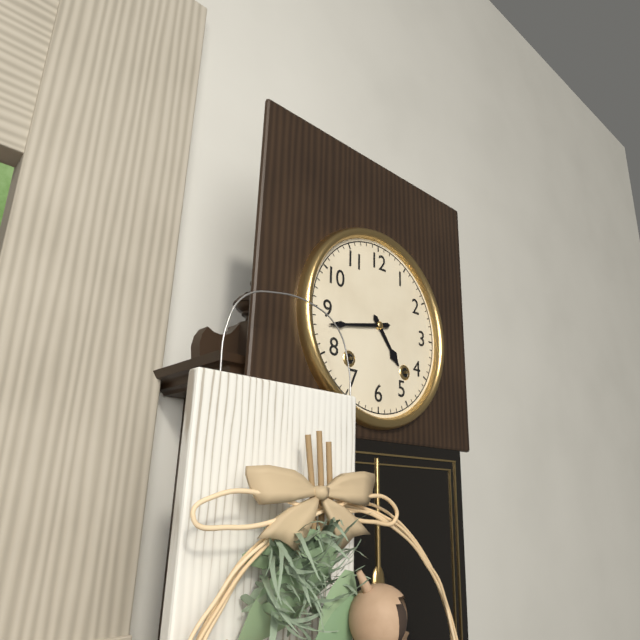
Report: 4:43
